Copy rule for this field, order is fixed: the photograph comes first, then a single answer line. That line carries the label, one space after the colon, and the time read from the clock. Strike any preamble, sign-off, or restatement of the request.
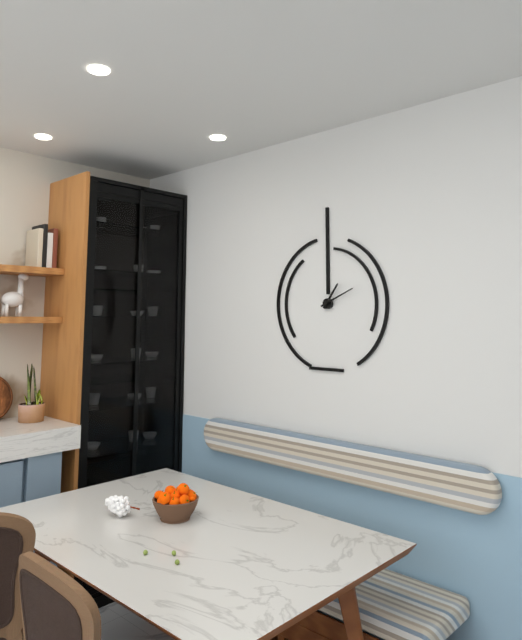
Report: 1:11
